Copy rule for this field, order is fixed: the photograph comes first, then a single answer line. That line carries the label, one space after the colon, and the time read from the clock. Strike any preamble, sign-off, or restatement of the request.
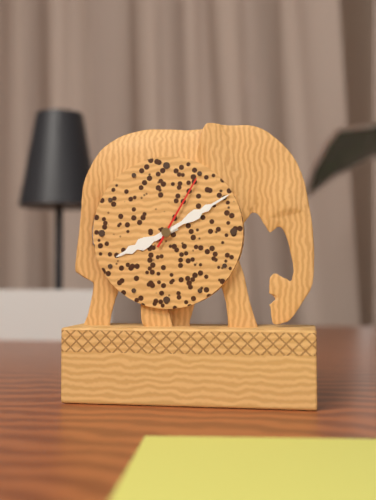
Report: 8:10:05
